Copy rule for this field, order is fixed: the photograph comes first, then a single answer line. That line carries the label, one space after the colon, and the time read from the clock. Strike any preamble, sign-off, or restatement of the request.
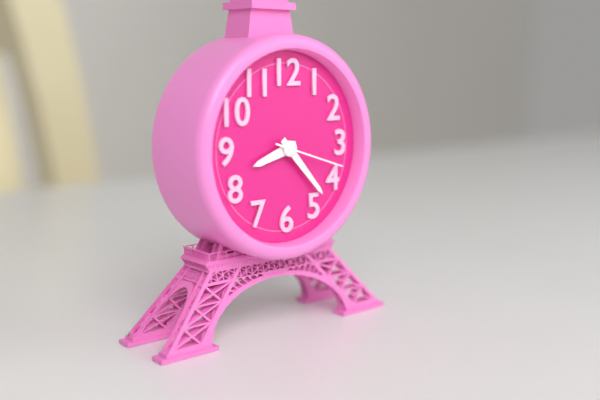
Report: 8:23:18
